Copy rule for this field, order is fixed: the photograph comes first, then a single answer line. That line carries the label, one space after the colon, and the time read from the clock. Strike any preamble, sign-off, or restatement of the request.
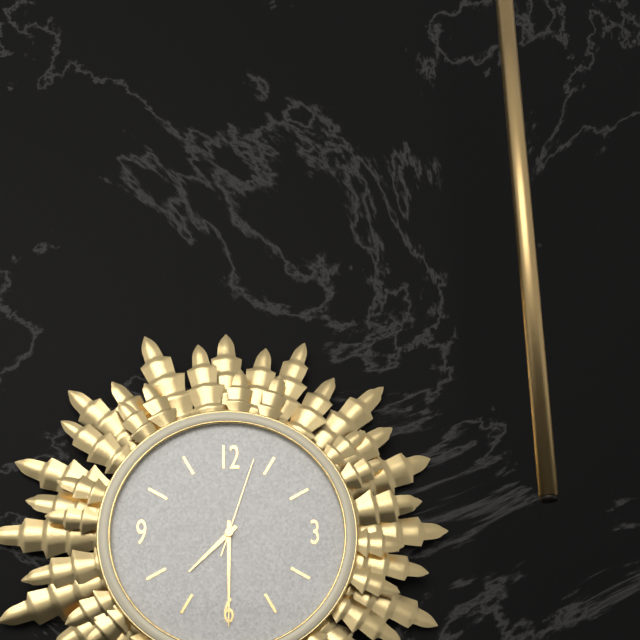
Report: 7:30:03
